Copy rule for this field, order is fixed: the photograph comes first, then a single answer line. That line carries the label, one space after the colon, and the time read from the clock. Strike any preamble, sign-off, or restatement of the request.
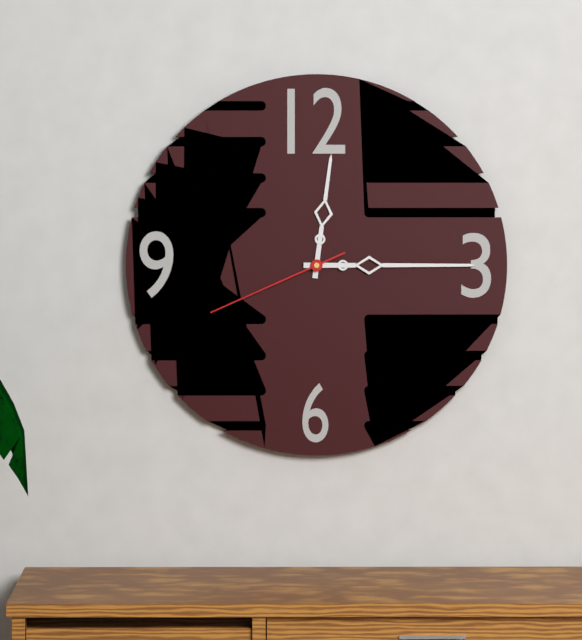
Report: 12:15:41
